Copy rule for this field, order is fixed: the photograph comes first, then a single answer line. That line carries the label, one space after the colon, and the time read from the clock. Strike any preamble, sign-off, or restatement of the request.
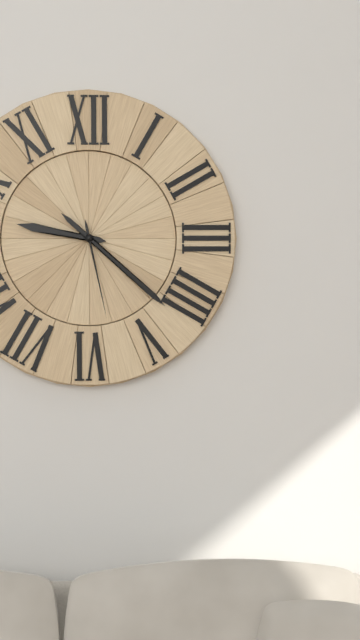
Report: 9:22:28
